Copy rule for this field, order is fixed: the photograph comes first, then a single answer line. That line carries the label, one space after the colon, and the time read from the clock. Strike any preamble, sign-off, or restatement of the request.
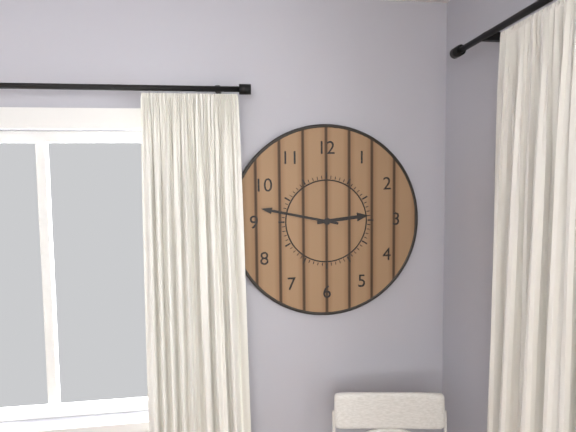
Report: 2:47
